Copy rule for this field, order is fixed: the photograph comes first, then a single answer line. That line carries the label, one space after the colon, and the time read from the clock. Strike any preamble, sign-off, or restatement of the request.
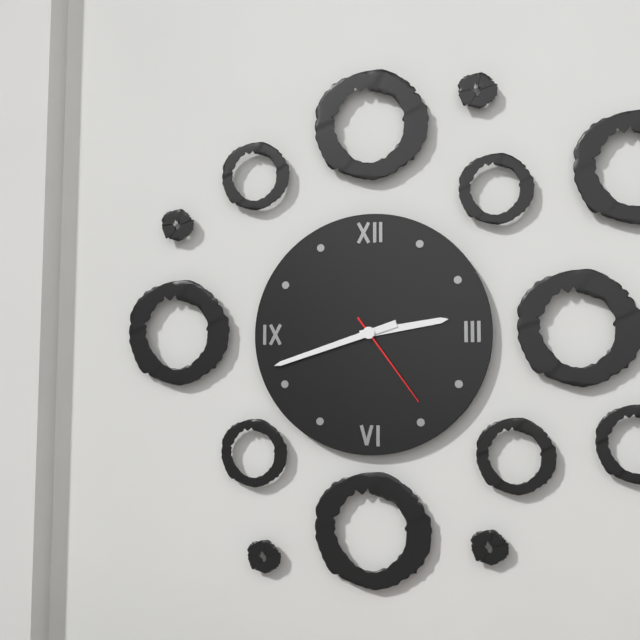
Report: 2:42:24
